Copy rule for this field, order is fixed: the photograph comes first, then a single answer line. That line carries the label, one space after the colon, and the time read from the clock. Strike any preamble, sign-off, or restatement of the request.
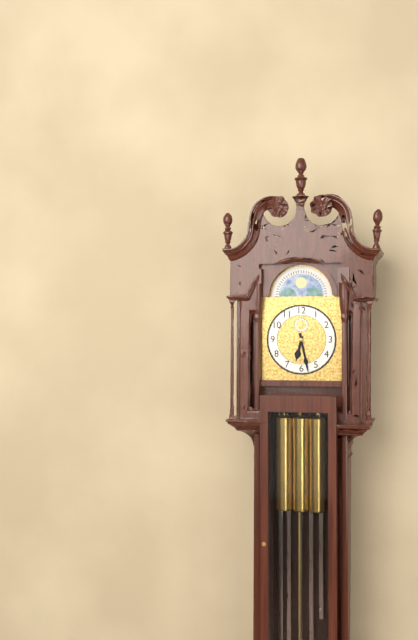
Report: 6:28
